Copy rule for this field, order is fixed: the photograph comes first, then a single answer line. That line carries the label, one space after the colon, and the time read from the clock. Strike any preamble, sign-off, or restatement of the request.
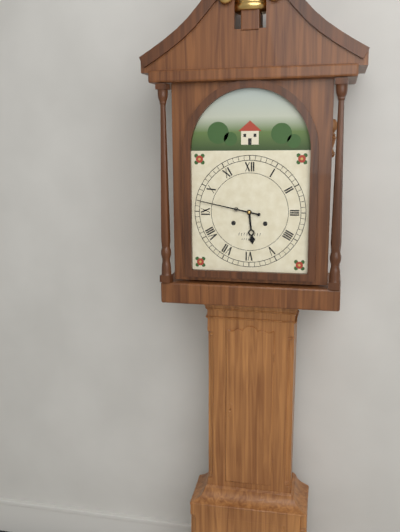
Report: 5:47
